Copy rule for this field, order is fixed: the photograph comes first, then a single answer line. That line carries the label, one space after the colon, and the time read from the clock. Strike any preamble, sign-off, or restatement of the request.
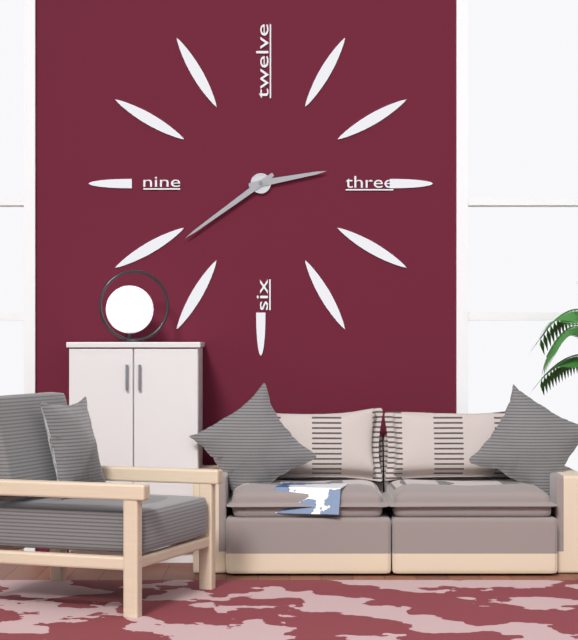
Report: 2:39
